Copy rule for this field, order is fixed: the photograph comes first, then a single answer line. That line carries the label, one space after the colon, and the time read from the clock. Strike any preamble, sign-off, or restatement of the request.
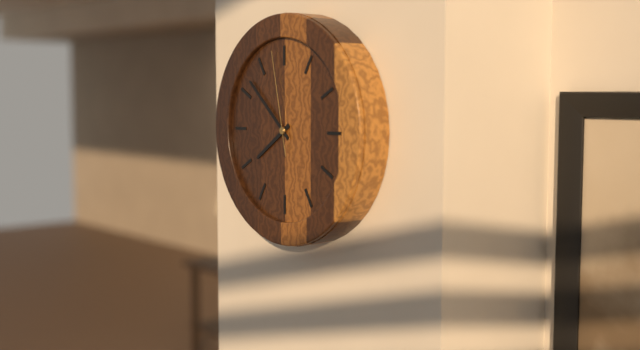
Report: 7:52:58
